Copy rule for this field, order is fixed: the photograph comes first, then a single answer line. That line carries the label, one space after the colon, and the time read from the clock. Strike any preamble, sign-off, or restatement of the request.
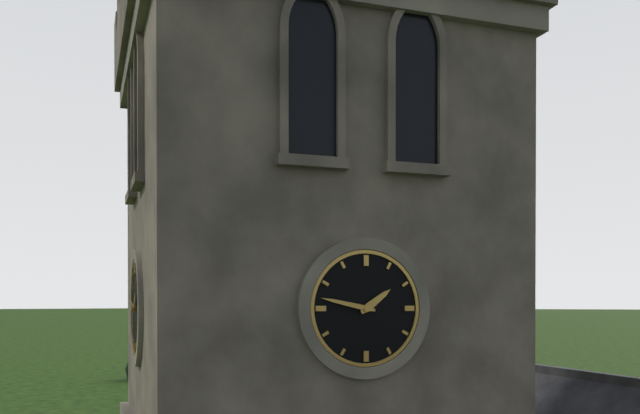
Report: 1:47
